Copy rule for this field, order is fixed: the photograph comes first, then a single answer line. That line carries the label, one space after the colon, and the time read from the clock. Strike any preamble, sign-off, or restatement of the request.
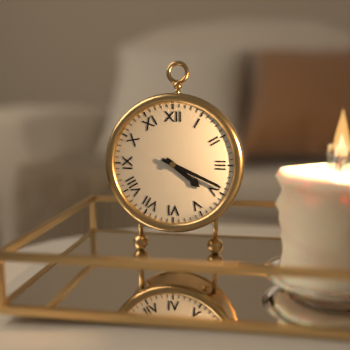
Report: 4:19
